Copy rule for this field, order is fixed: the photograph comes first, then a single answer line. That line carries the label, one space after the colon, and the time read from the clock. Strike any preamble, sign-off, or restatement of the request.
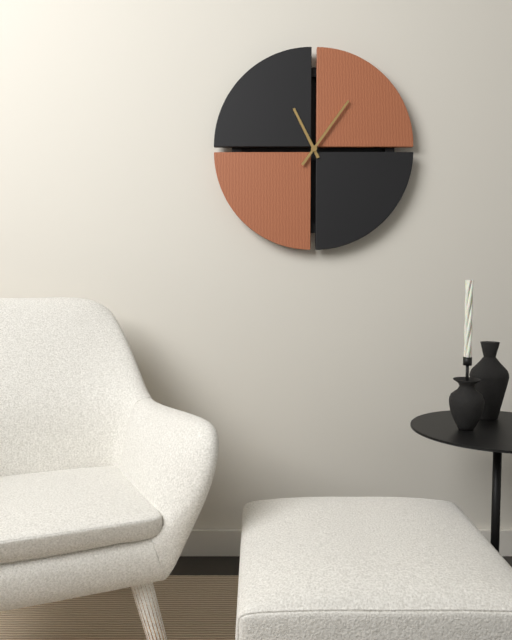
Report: 11:06
